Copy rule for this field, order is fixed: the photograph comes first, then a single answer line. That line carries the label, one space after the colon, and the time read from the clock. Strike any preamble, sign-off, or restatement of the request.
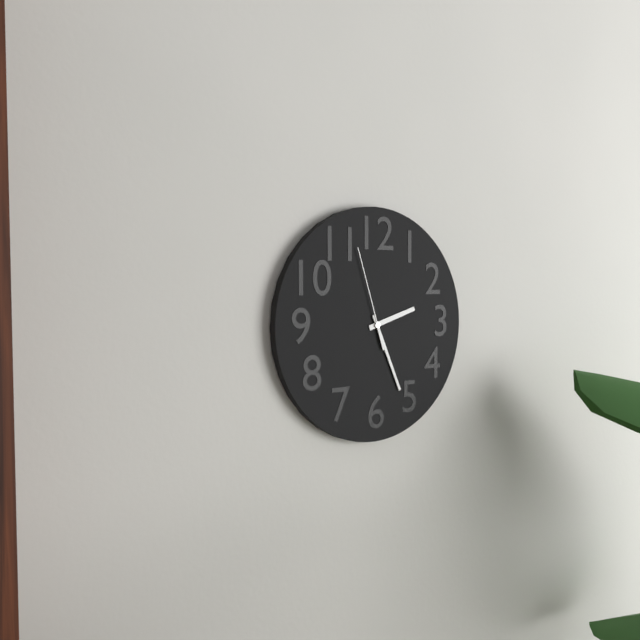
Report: 2:26:57
